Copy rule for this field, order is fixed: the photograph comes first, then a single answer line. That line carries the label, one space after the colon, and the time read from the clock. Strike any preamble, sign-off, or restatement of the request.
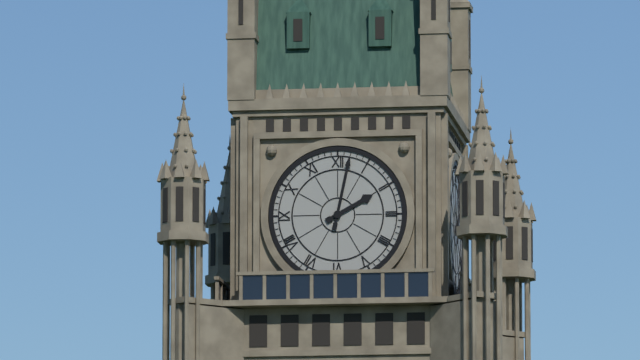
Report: 2:02
